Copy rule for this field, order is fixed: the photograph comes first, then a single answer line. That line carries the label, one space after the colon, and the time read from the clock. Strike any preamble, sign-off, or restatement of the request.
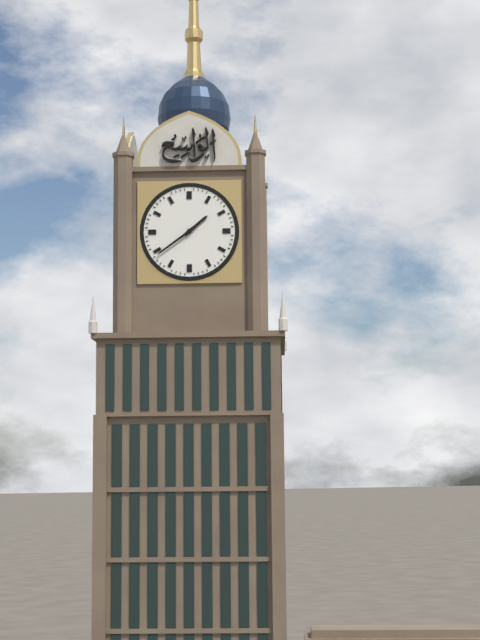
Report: 1:39
